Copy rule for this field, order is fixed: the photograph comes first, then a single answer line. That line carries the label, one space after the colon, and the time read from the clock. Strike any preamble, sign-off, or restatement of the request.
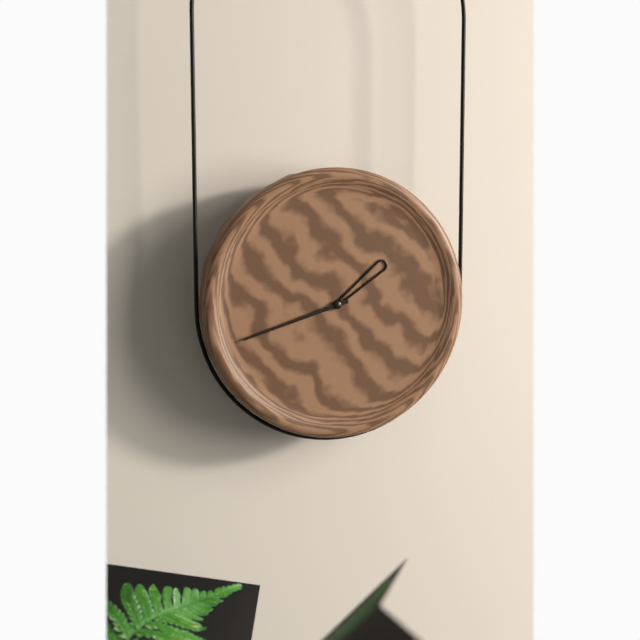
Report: 1:42
